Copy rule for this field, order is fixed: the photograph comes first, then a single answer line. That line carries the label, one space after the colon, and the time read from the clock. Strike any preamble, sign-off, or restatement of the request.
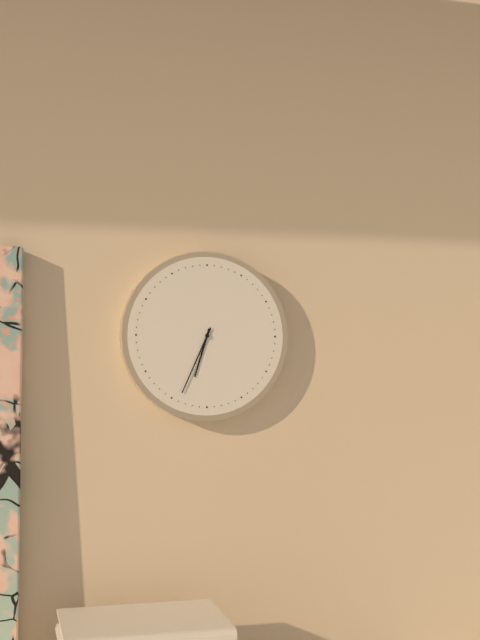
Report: 6:34
